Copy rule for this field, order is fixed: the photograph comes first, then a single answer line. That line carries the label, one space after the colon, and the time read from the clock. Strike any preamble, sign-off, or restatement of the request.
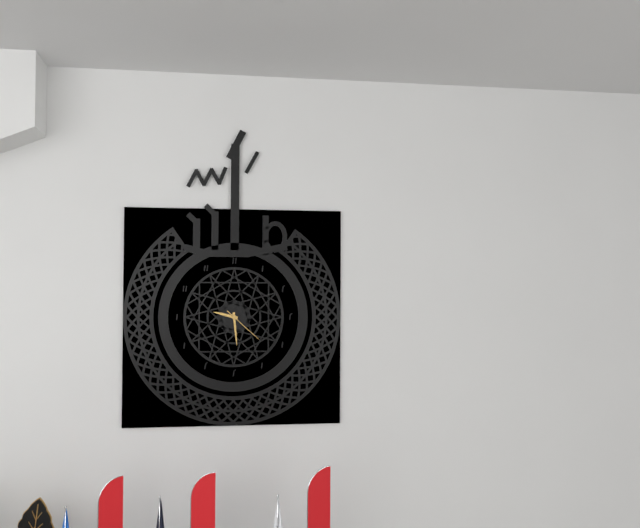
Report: 9:29
